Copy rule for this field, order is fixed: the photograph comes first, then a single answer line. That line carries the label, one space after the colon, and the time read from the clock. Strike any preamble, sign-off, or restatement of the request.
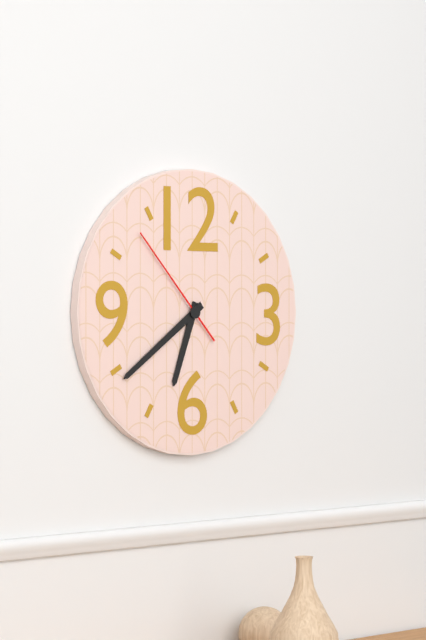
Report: 6:39:53
